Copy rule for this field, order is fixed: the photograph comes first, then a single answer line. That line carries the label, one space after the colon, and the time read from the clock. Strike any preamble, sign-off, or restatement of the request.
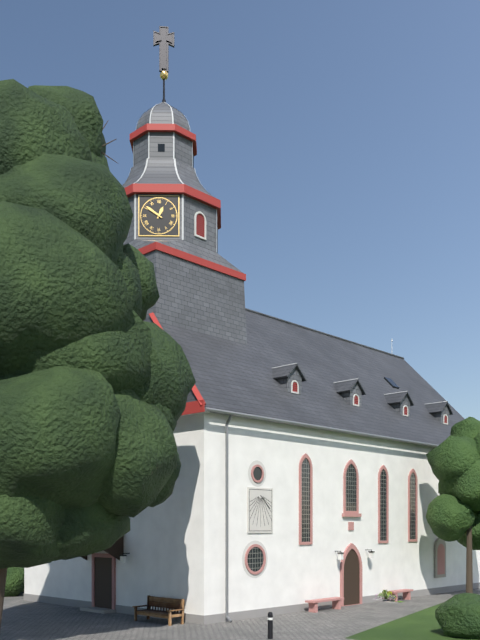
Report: 12:51
